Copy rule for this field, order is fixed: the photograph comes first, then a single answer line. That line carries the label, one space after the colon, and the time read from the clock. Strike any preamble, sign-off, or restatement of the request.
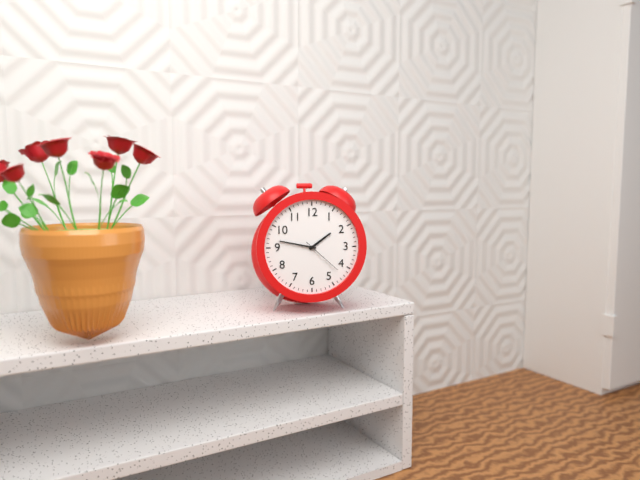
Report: 1:47
